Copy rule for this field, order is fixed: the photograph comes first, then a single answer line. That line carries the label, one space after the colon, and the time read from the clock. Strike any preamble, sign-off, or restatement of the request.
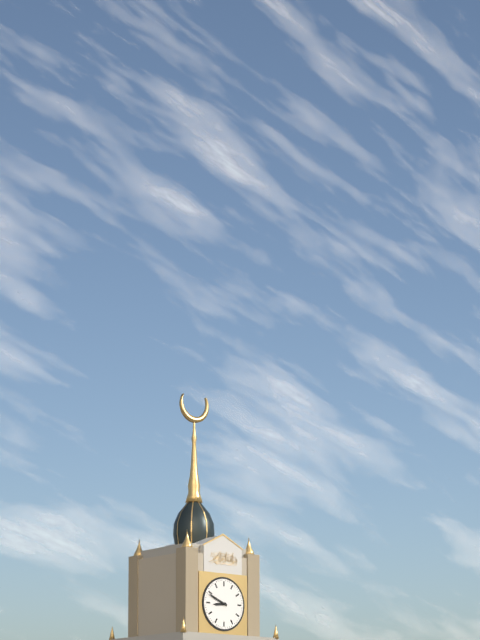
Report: 8:49
